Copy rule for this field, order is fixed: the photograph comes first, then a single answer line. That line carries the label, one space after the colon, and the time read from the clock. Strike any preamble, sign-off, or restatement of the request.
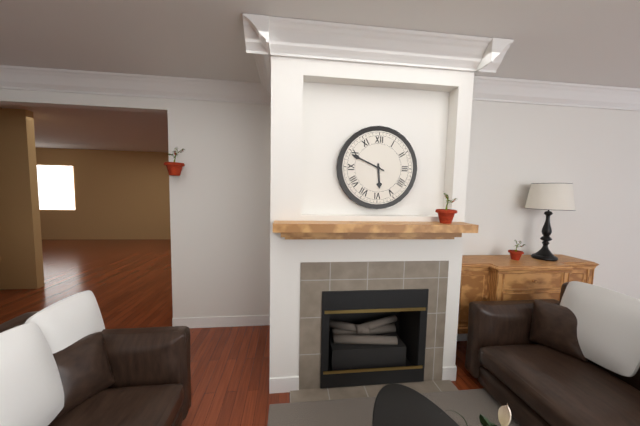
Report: 5:49
